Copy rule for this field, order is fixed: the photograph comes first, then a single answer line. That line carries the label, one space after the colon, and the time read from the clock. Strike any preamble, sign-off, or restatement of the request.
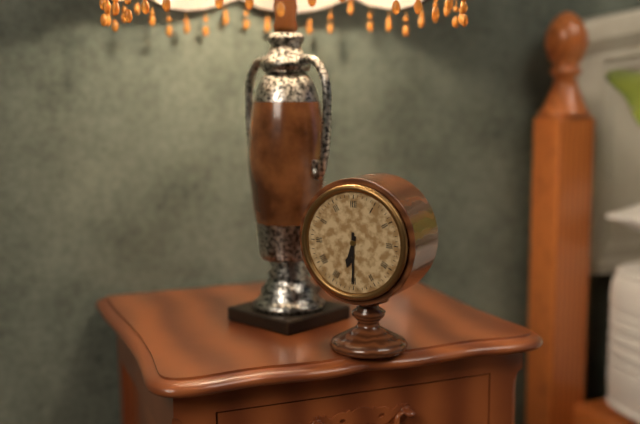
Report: 6:30
